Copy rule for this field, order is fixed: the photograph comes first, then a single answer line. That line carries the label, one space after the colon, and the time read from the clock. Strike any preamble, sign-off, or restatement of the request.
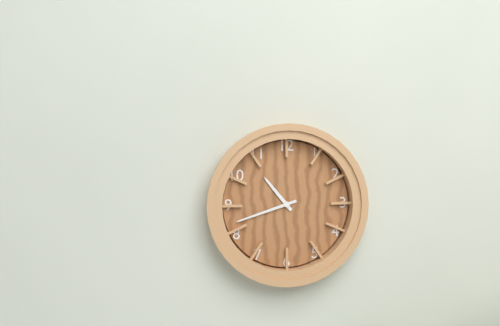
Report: 10:42
